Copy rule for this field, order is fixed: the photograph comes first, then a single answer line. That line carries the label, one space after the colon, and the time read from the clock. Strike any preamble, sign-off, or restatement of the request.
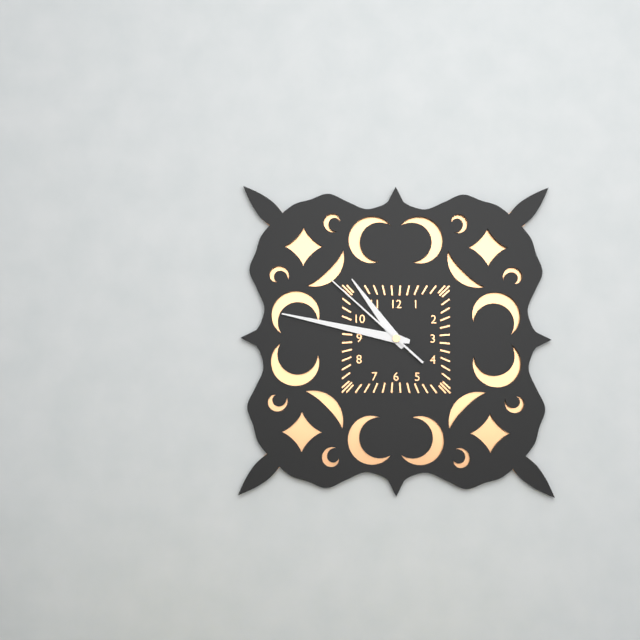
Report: 10:47:52
